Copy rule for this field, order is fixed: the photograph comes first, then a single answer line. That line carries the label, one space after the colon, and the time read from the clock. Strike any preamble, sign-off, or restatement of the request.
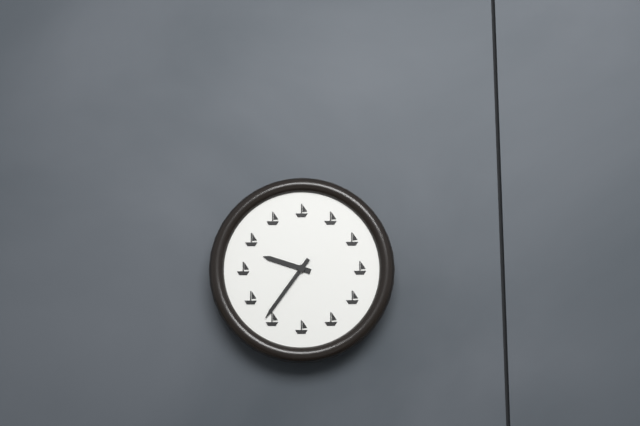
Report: 9:36
